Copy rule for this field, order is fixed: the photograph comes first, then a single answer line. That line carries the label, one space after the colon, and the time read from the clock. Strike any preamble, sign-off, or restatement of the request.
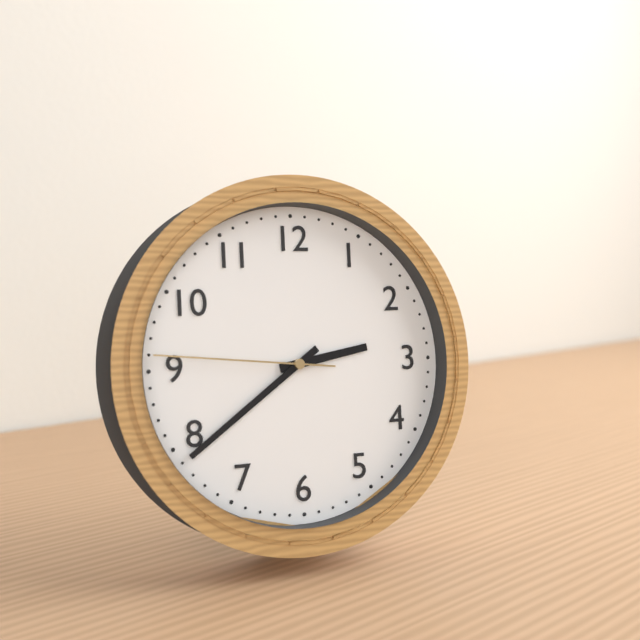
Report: 2:39:46
